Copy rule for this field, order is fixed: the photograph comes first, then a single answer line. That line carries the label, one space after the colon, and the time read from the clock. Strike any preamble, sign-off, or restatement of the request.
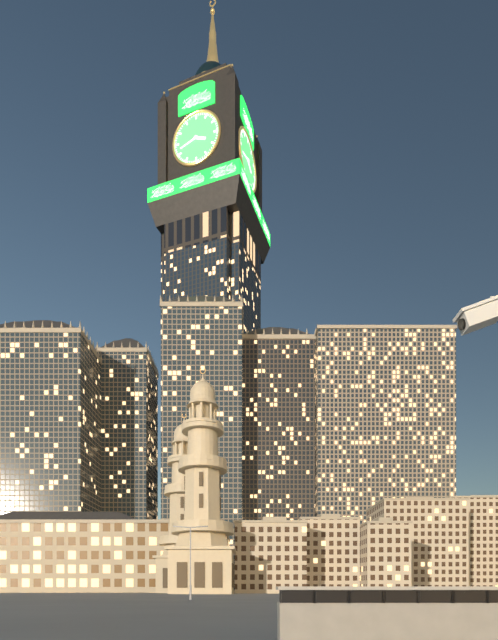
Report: 3:42
